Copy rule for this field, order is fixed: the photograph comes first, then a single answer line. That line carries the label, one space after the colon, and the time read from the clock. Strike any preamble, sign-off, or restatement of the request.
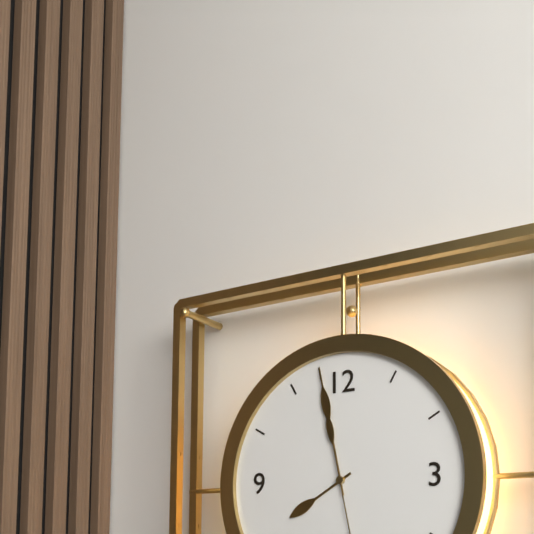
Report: 7:58
